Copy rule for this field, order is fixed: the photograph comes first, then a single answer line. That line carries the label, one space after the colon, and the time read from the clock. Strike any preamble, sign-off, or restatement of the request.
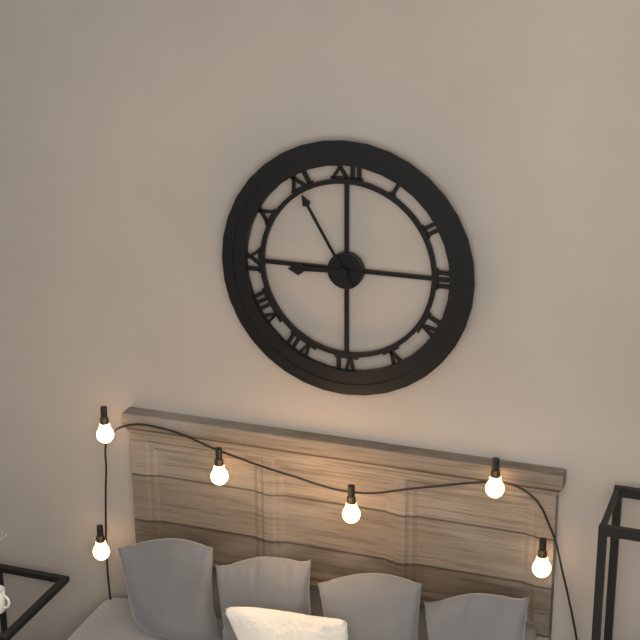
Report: 8:55
